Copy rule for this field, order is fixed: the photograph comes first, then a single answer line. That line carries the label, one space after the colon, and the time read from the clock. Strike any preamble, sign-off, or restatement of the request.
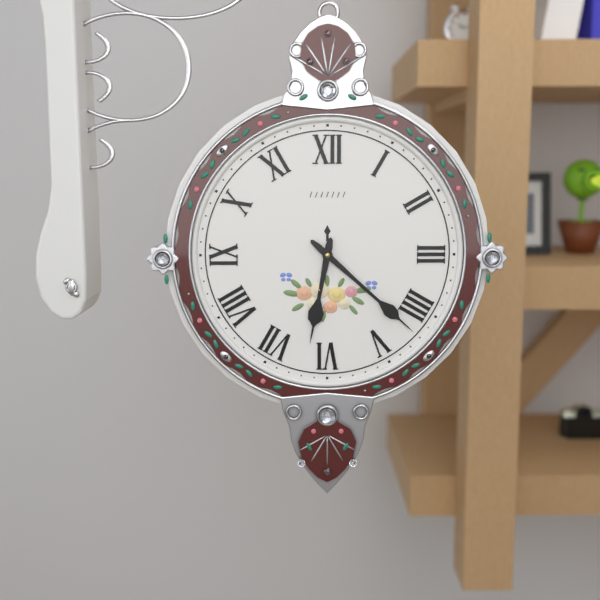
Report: 6:22
